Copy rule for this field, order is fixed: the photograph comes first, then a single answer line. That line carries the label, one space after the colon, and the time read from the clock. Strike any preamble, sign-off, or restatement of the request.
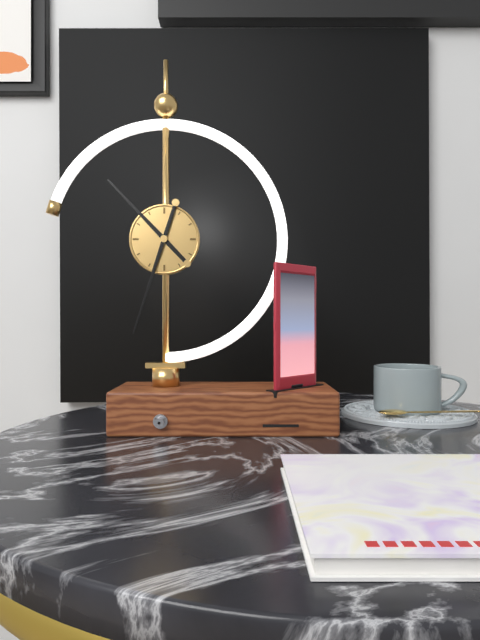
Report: 10:33
